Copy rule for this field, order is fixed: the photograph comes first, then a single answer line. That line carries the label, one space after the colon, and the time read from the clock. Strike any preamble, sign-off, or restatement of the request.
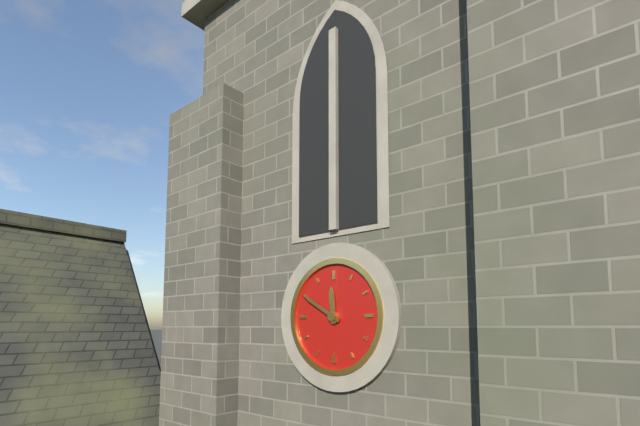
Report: 11:50
